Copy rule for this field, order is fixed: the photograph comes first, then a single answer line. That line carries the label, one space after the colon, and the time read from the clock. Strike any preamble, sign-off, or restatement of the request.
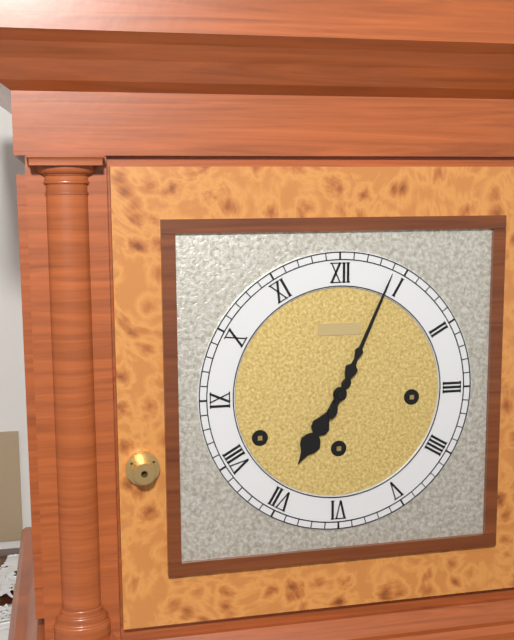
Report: 7:04
